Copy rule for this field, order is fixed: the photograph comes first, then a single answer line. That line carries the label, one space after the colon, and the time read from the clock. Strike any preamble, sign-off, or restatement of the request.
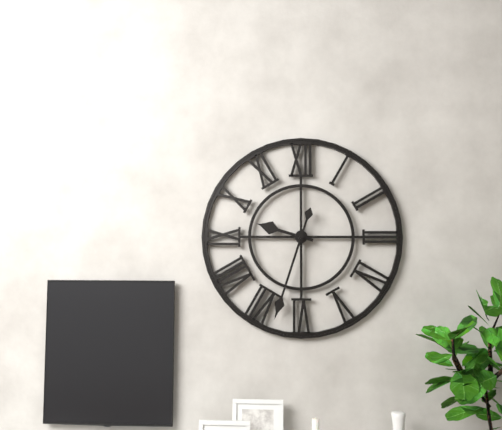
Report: 9:33
